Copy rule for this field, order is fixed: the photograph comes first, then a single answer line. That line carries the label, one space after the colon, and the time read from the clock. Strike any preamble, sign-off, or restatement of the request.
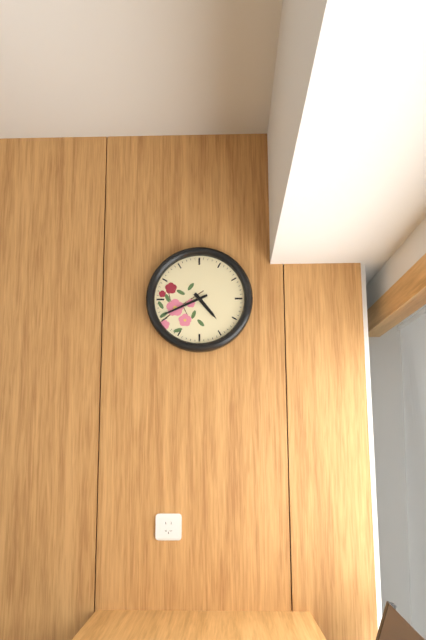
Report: 4:41
